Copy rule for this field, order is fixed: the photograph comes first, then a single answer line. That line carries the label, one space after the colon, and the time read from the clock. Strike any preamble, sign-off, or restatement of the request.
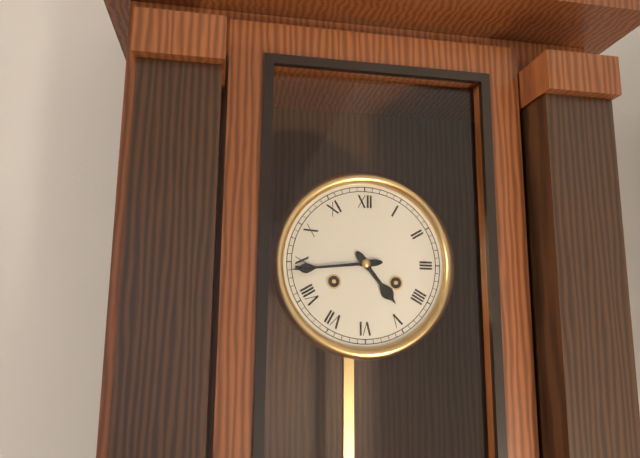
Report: 4:44
